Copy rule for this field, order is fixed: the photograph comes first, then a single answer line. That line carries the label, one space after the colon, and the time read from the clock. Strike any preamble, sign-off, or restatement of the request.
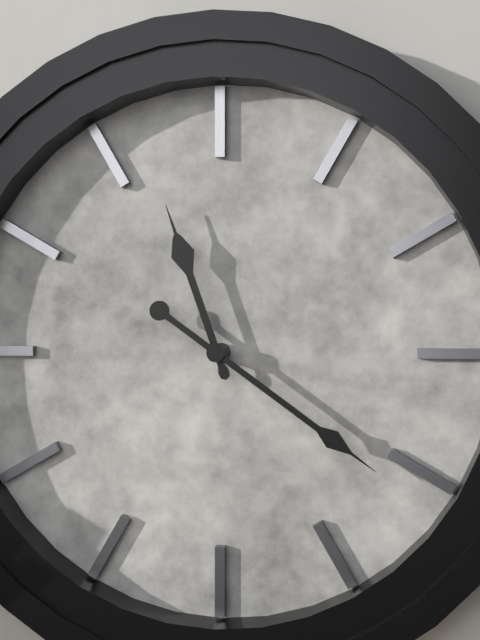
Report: 11:21
